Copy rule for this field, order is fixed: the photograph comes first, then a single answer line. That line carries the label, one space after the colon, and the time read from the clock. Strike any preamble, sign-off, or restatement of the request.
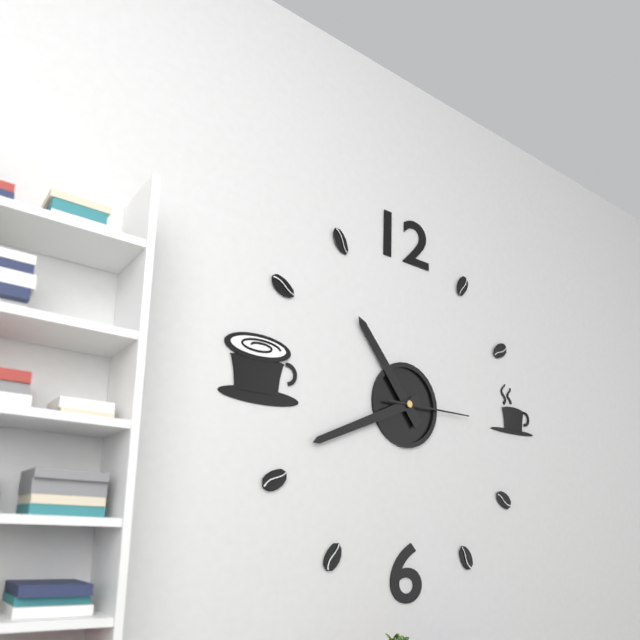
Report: 10:41:15
